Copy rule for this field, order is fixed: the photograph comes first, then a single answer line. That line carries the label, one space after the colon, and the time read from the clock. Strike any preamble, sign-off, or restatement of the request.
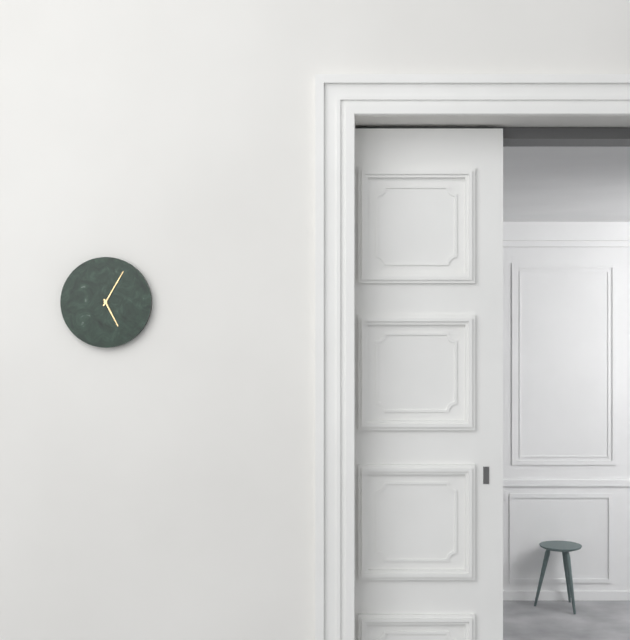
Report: 5:05
